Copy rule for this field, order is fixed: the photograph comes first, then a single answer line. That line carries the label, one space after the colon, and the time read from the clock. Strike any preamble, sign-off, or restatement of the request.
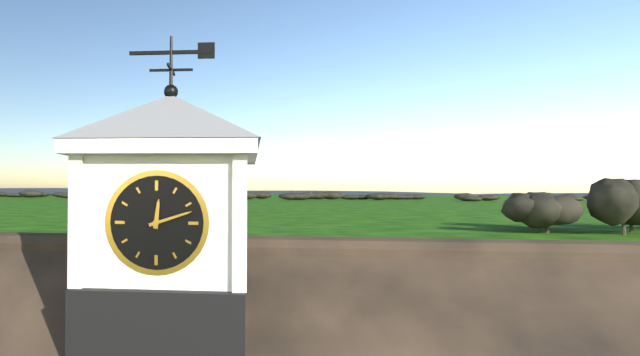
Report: 12:12
